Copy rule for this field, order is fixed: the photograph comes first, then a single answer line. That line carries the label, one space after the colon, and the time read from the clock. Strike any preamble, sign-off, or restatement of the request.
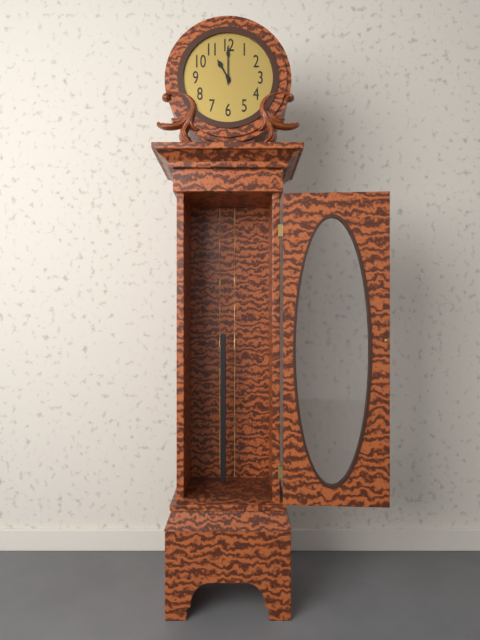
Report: 11:00
